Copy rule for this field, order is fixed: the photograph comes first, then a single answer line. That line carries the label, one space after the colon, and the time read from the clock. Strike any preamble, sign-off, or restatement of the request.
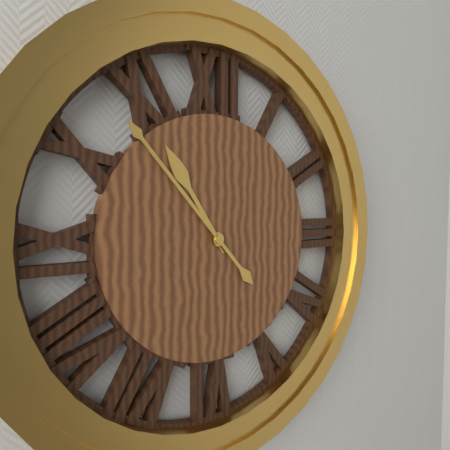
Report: 10:53
